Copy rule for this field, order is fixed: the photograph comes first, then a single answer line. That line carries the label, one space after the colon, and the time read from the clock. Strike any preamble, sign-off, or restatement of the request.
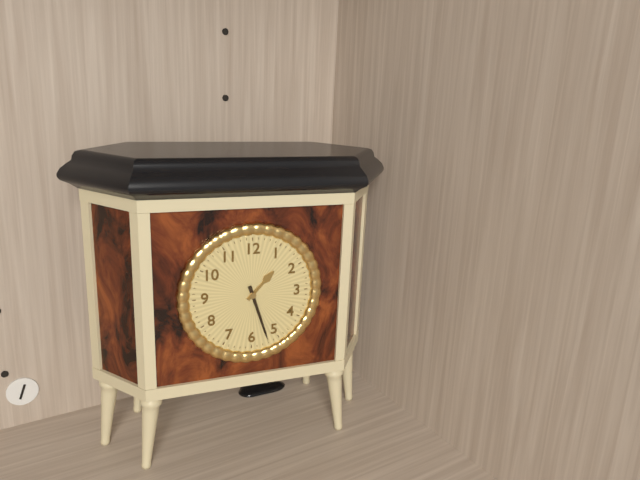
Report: 1:27
